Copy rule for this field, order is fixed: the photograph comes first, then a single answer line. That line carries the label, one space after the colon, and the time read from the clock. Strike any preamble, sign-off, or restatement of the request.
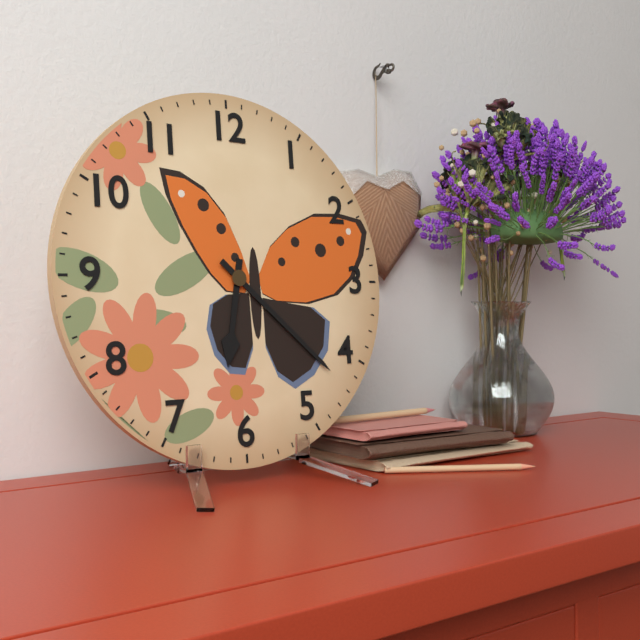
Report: 6:22
